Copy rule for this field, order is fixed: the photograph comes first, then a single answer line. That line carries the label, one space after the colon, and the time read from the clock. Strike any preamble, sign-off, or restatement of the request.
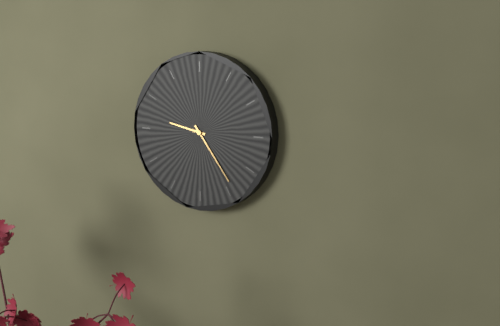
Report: 9:24
